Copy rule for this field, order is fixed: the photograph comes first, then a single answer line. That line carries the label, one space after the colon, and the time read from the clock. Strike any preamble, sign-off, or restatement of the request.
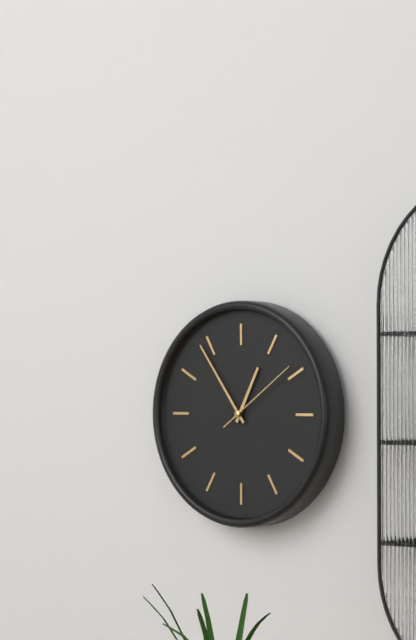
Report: 12:54:09
